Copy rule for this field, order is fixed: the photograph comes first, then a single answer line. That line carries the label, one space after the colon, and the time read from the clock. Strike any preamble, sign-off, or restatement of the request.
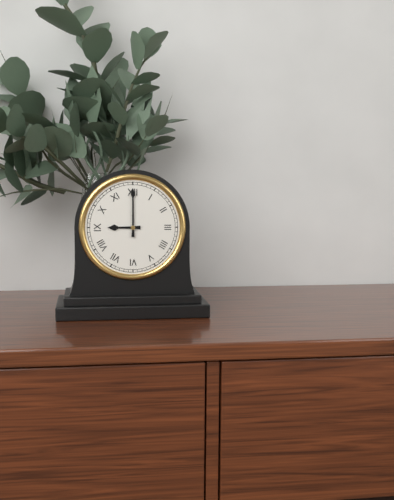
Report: 9:00
